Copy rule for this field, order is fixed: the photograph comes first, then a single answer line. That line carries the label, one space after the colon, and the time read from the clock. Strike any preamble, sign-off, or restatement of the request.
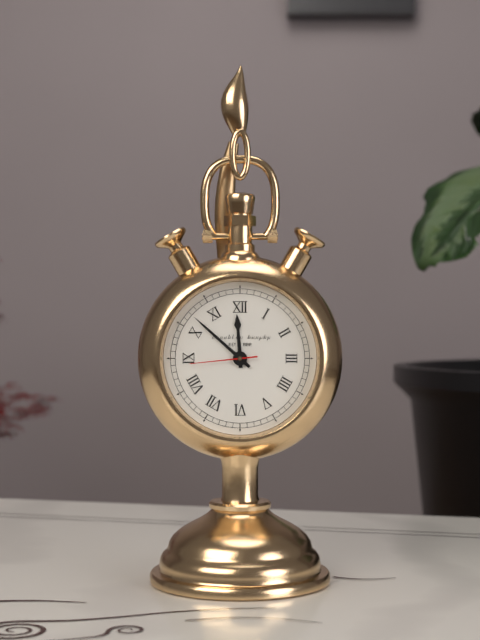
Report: 11:52:44
